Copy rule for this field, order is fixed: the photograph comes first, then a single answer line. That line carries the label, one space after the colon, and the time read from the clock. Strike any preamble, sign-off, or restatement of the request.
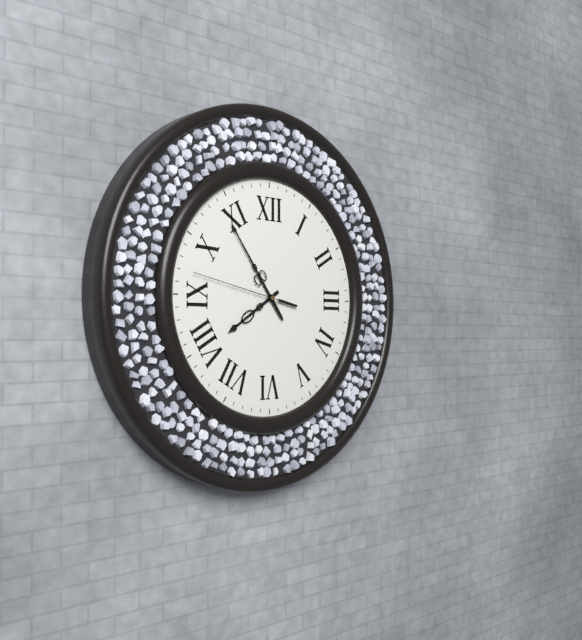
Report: 7:54:47
